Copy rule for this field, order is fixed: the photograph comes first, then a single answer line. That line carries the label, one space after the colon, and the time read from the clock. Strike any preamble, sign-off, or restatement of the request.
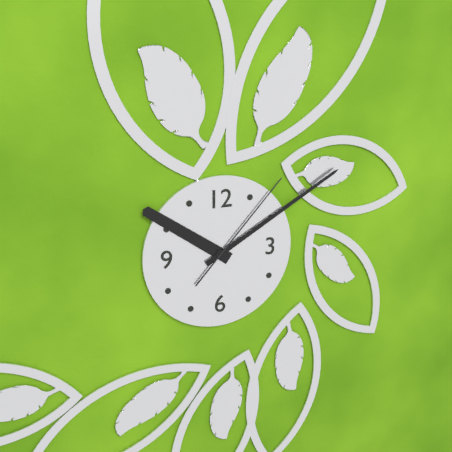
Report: 10:10:07
